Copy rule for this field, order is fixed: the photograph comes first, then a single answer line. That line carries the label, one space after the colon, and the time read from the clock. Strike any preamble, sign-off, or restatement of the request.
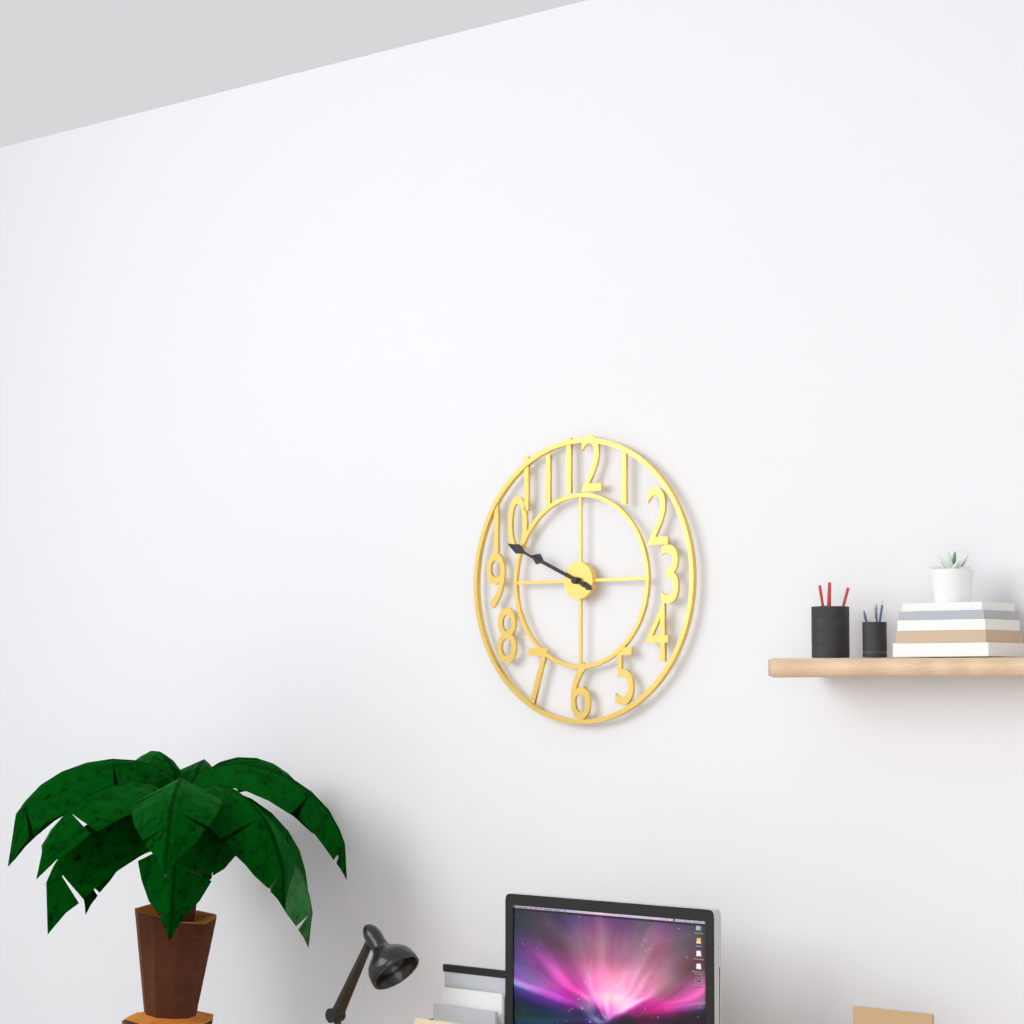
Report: 9:49
